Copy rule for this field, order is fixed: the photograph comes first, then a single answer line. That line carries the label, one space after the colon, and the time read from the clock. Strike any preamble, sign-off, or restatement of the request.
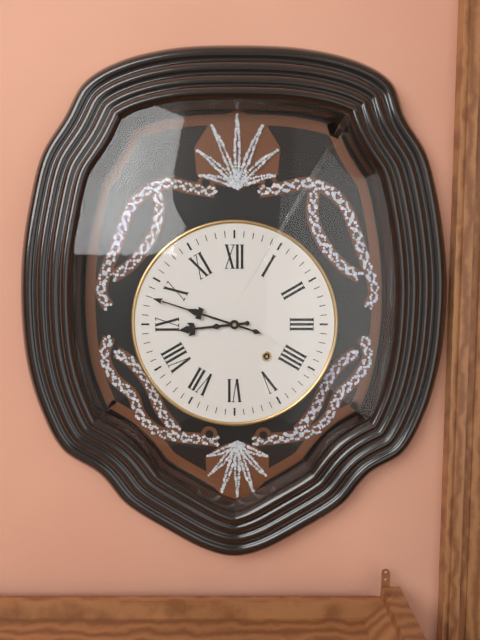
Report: 8:48
